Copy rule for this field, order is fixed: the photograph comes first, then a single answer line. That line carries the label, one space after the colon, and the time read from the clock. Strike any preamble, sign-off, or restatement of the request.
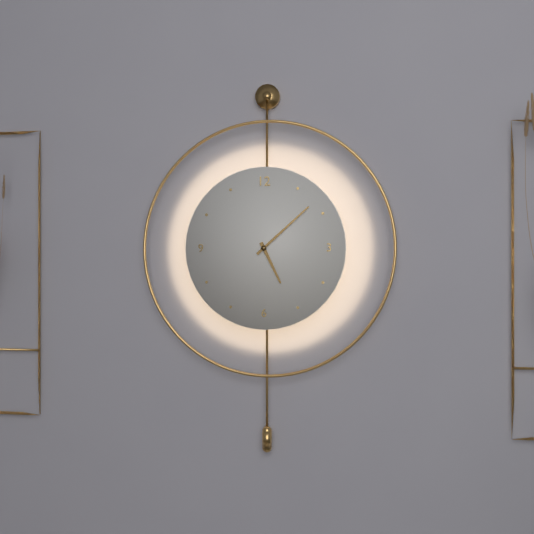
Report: 5:08
